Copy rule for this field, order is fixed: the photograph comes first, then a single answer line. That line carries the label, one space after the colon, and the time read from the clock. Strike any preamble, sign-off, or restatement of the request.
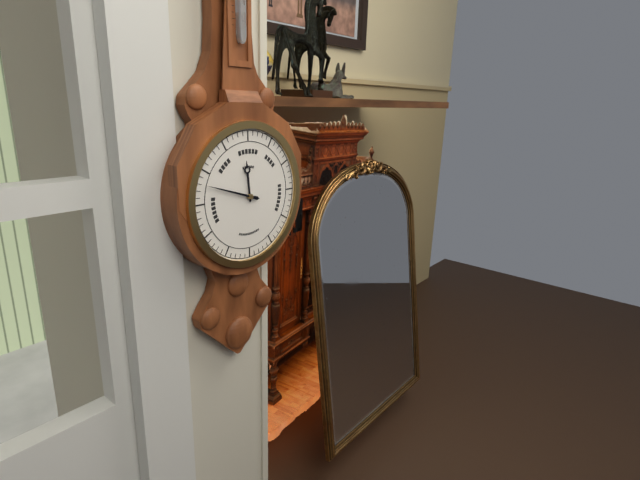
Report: 11:48
